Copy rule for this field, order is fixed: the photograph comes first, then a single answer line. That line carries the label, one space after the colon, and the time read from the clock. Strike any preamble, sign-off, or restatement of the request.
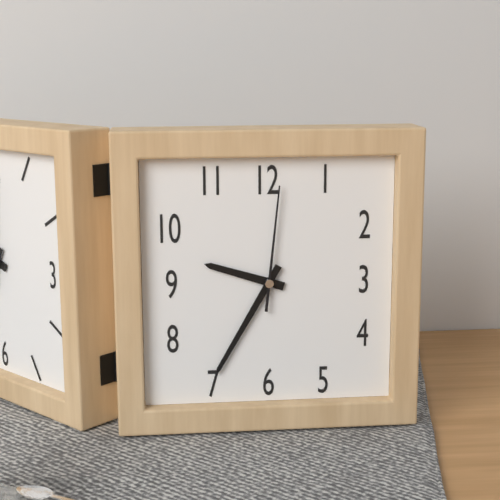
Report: 9:35:01
